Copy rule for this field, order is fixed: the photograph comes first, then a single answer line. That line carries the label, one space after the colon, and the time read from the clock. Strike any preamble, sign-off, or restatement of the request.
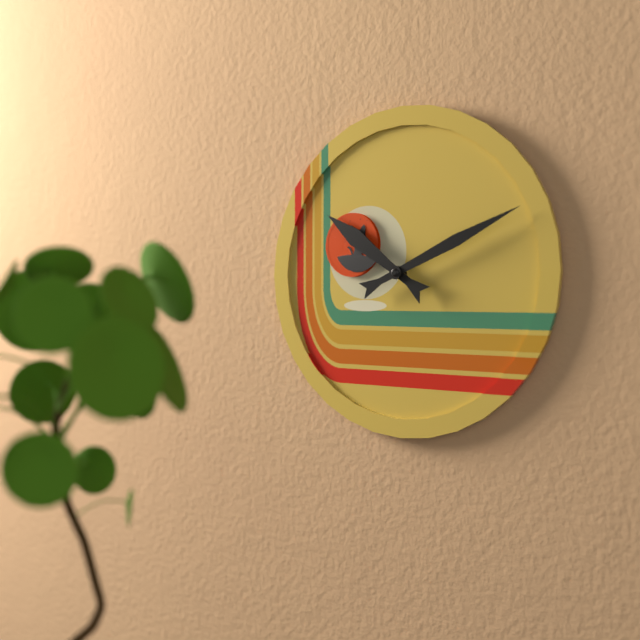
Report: 10:11
